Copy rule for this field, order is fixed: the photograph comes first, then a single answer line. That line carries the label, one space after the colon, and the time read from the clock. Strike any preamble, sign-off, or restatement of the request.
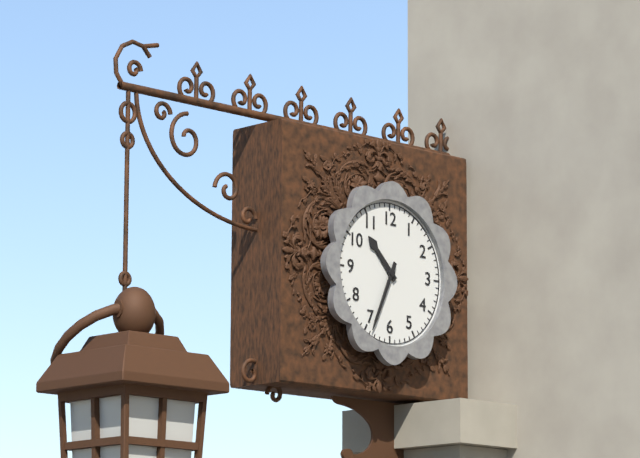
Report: 10:34
